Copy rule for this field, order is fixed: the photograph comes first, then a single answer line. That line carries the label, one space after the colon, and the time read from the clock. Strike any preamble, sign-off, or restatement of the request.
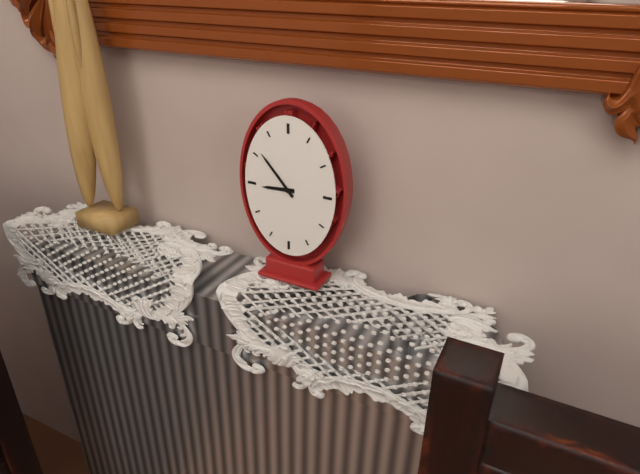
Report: 8:53
